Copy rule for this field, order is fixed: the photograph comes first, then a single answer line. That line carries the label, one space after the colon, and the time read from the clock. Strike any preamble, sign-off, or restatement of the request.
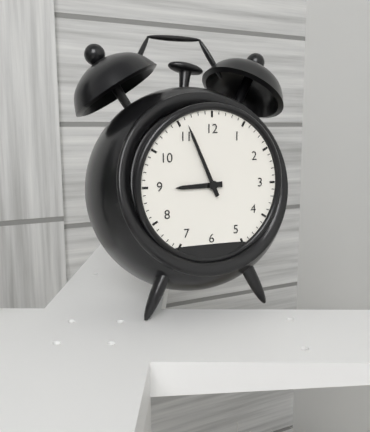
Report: 8:56
